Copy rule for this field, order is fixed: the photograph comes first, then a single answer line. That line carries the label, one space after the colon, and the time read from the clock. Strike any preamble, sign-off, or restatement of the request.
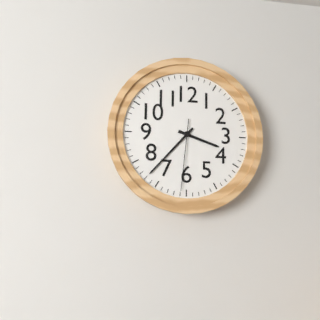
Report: 3:37:31
